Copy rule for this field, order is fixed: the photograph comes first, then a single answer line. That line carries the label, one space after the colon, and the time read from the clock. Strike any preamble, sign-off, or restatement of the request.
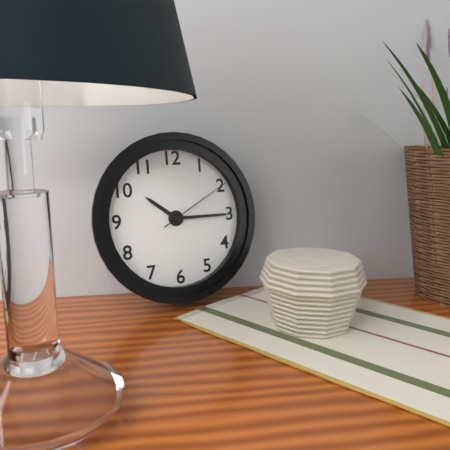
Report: 10:15:10
